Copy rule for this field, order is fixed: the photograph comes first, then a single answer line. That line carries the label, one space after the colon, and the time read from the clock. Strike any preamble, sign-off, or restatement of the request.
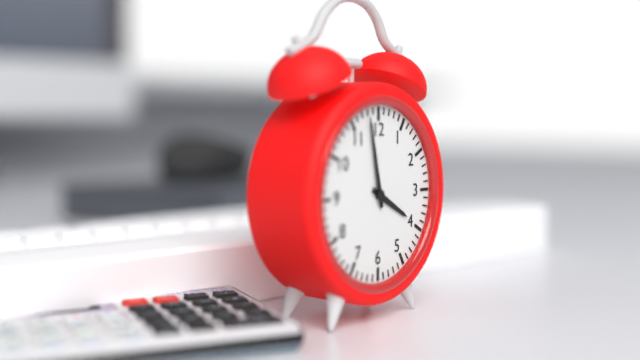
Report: 3:58
